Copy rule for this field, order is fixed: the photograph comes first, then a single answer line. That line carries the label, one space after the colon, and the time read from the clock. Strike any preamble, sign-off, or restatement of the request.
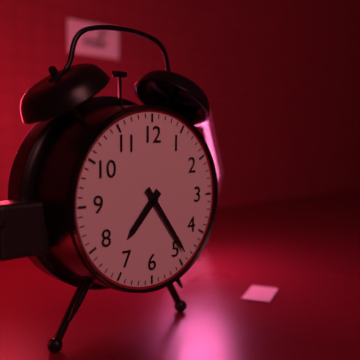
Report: 7:24
